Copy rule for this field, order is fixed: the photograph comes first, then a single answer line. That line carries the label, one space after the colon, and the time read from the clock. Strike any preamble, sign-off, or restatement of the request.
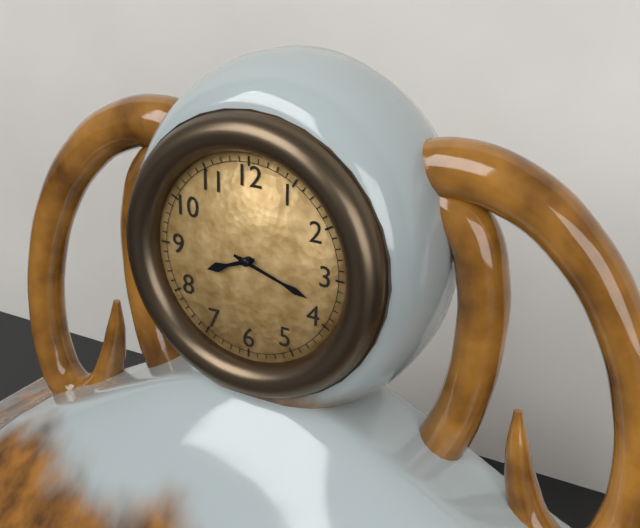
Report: 8:18
